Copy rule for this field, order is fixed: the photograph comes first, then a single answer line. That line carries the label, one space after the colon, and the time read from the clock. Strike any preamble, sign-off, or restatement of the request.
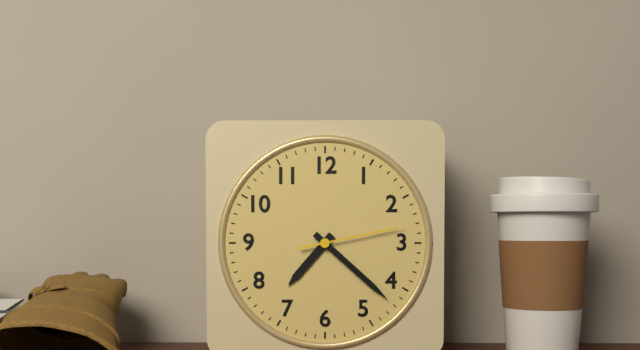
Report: 7:22:13
